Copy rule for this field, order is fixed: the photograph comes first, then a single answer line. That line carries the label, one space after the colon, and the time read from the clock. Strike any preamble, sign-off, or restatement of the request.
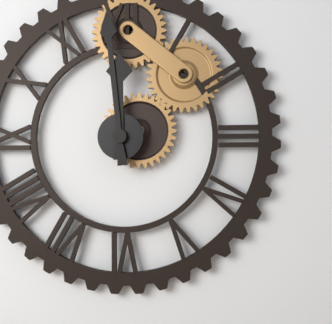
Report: 11:59
